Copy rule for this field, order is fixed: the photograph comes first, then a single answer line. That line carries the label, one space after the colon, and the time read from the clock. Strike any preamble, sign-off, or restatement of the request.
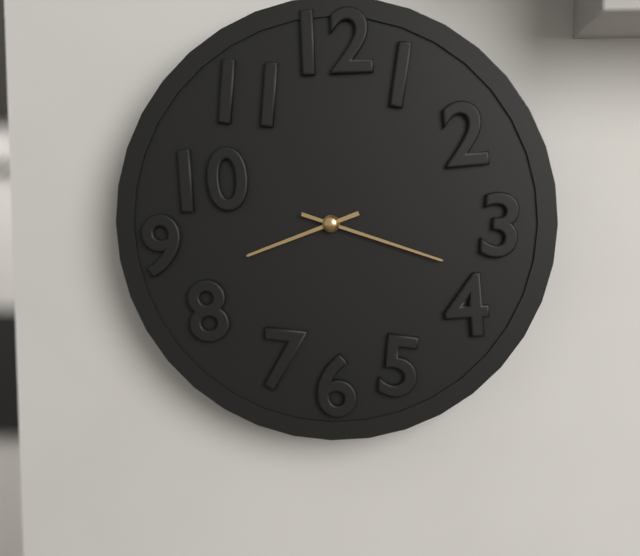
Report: 8:18
